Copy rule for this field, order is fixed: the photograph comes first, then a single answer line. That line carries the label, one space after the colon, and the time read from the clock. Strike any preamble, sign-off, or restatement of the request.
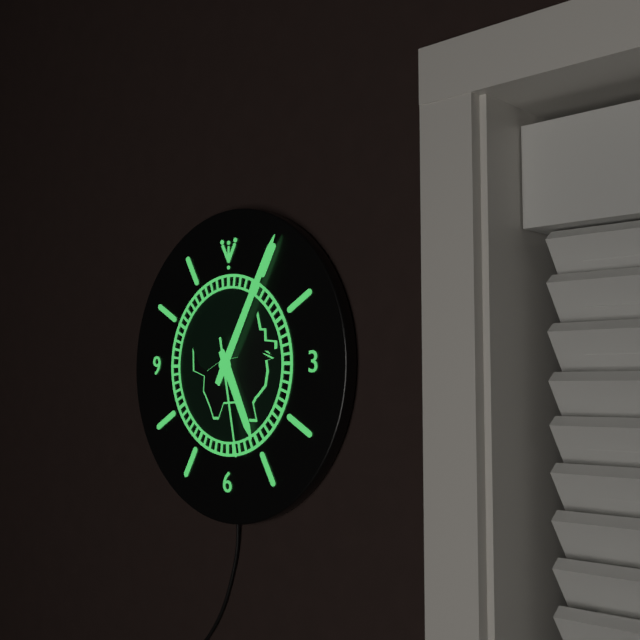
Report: 5:05:28
